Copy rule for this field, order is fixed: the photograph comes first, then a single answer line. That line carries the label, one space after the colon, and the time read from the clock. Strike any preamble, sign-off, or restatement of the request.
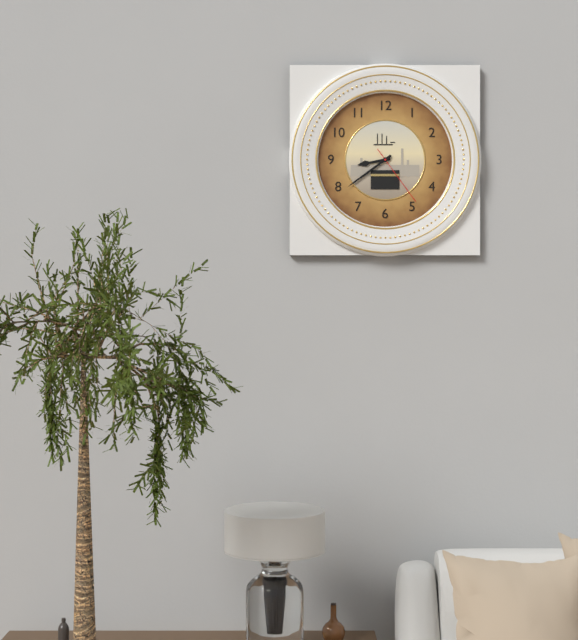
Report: 8:39:24
